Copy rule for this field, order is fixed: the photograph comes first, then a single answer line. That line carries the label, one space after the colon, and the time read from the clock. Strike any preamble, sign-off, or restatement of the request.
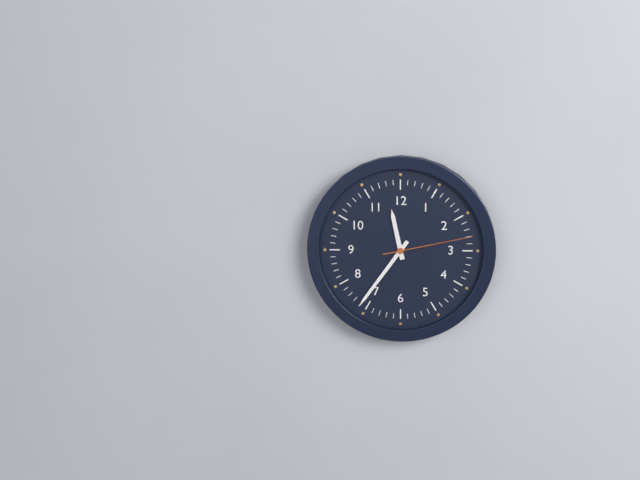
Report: 11:36:13
